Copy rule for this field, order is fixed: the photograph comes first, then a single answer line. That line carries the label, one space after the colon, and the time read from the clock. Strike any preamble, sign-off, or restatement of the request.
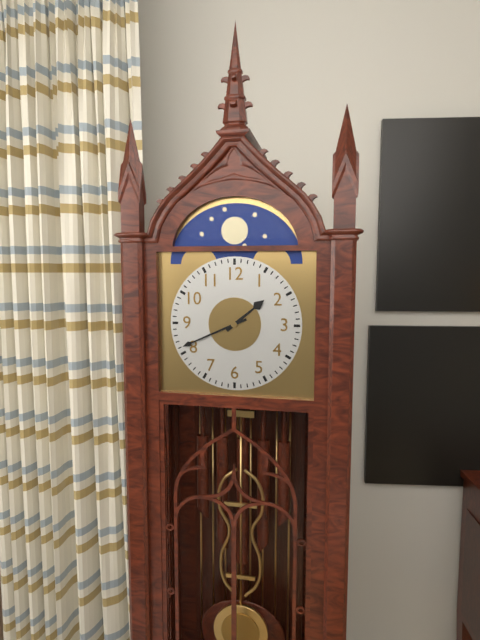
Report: 1:41
